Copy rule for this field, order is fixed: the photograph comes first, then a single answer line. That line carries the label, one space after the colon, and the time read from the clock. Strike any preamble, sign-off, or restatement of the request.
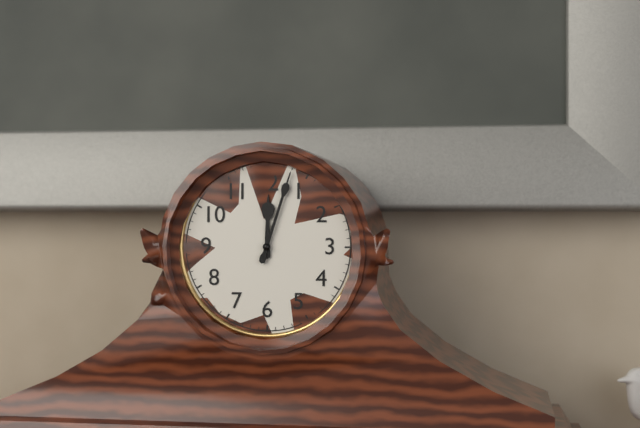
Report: 12:03
